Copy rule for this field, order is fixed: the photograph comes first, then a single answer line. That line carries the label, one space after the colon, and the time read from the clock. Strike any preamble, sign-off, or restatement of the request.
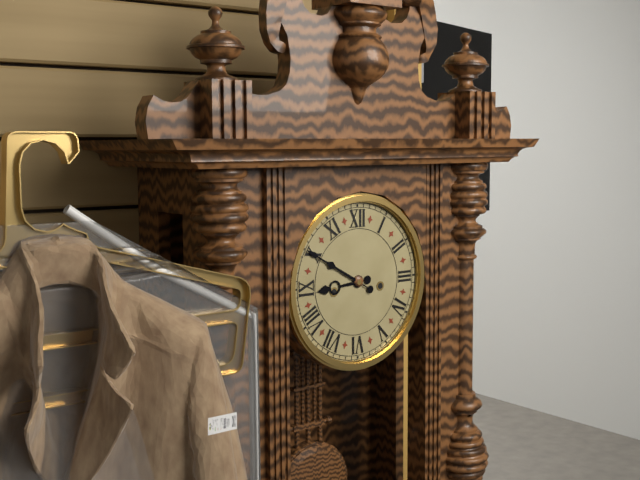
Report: 8:50
